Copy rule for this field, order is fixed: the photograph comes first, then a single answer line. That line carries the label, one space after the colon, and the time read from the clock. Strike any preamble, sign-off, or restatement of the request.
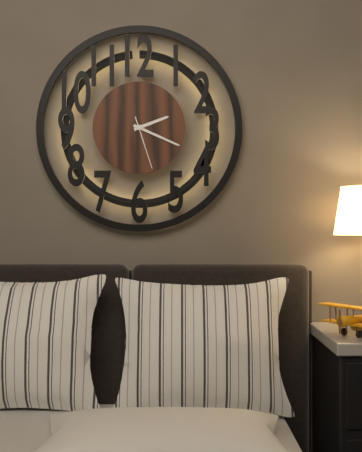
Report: 2:19:27
